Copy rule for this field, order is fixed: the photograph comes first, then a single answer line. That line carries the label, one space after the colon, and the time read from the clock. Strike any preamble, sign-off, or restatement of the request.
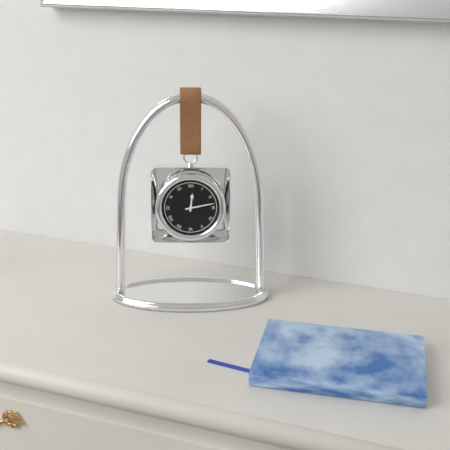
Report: 12:13
